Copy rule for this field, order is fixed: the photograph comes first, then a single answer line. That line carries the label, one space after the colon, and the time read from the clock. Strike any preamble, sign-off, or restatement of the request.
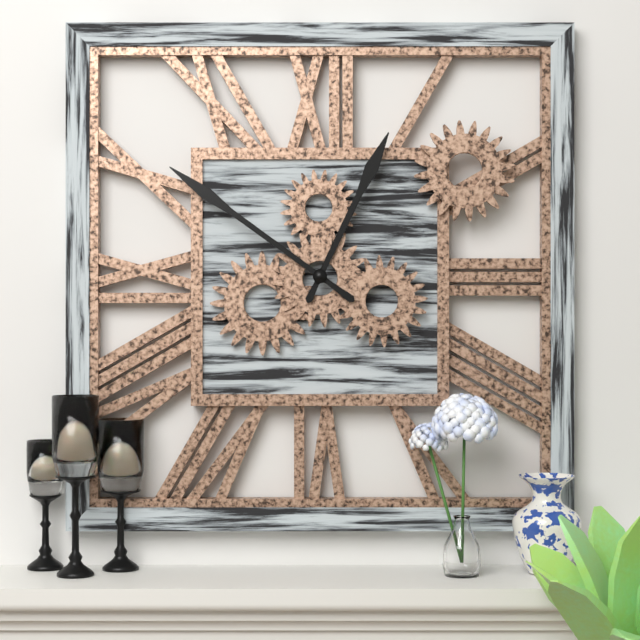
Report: 12:51
